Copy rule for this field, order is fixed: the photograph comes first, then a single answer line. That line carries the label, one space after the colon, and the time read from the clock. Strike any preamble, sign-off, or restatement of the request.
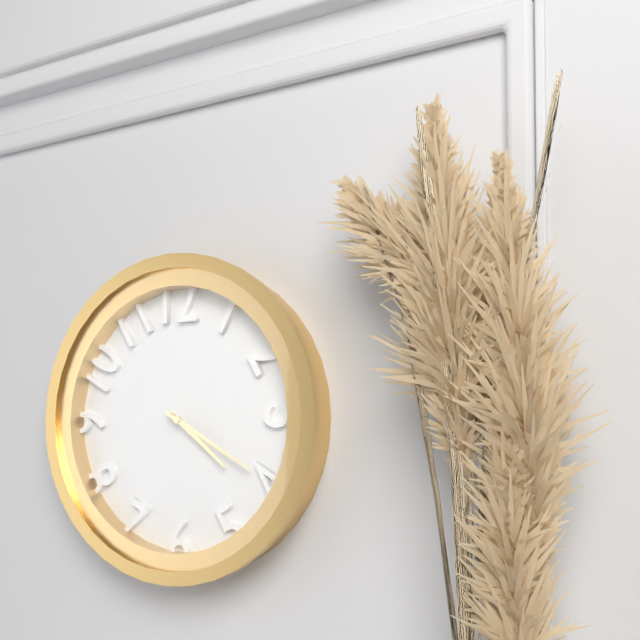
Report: 4:20
